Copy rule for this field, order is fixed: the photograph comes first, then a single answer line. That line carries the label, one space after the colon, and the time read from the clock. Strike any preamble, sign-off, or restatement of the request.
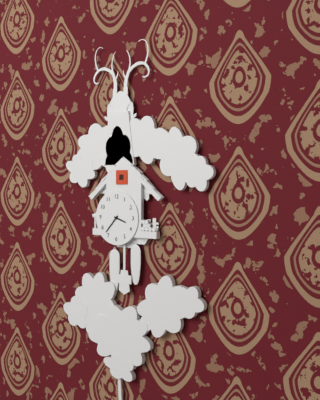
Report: 3:37
